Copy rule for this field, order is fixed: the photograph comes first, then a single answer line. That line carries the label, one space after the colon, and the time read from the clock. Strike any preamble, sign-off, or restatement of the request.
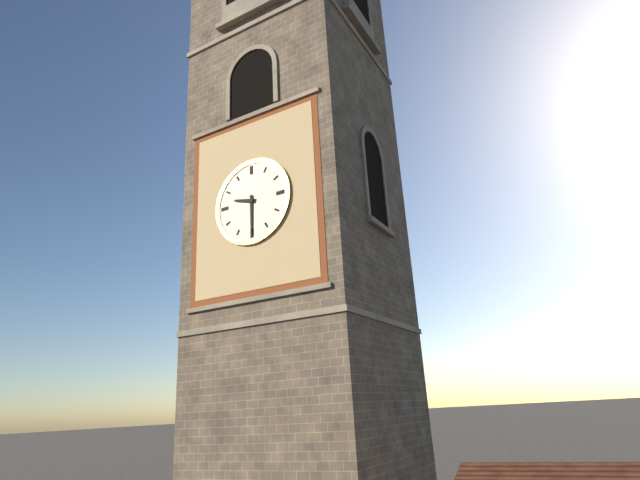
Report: 9:30
